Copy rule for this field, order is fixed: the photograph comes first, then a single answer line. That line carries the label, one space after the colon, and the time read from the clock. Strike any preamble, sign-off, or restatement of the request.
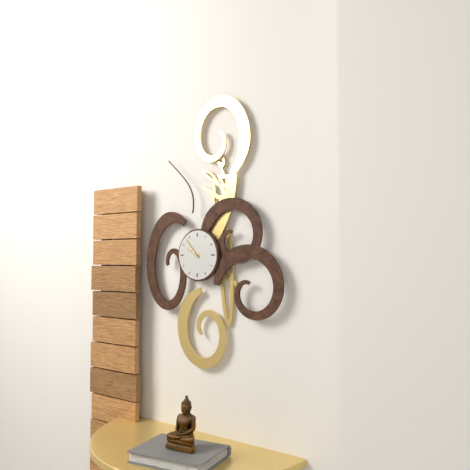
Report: 9:53
